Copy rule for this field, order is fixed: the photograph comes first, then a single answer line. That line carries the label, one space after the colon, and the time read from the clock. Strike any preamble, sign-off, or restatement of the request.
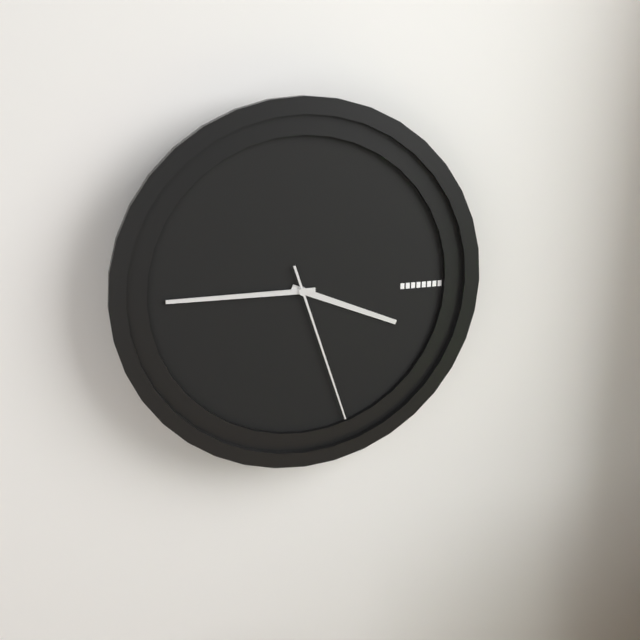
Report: 3:45:27
